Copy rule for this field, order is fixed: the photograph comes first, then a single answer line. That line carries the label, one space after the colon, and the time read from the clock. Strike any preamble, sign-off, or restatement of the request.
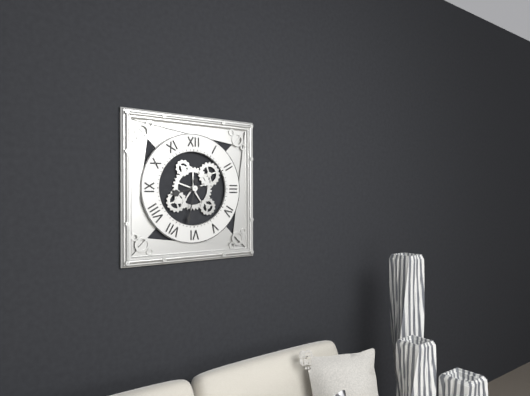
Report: 8:32
